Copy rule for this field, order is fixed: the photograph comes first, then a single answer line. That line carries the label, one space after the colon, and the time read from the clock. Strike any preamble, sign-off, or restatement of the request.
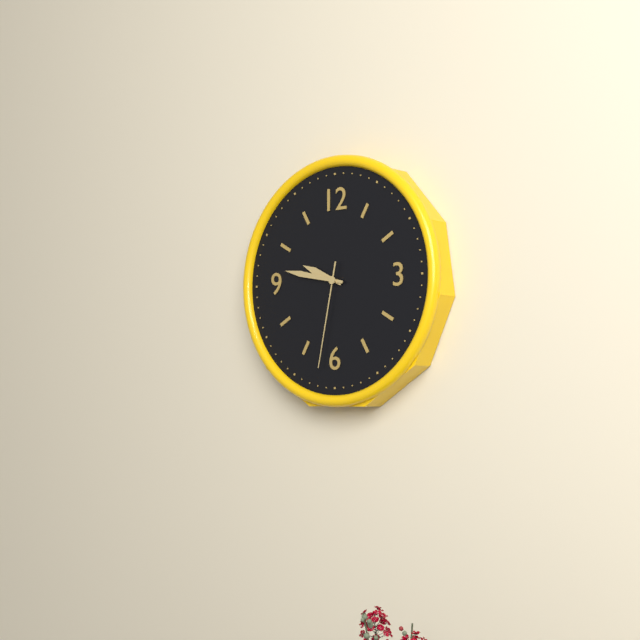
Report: 9:47:32
